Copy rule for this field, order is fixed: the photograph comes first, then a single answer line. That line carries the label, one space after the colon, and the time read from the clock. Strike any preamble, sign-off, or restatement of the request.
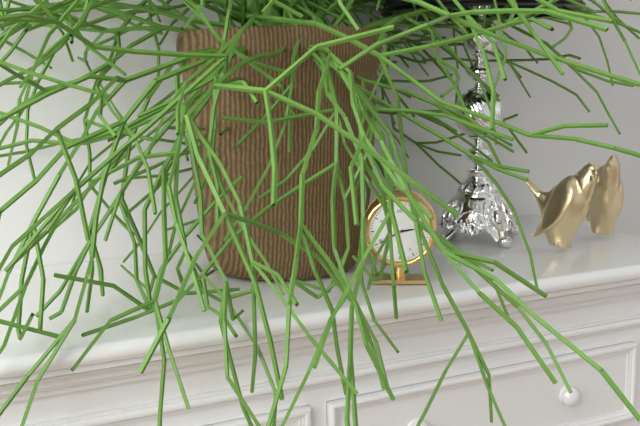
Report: 2:40
